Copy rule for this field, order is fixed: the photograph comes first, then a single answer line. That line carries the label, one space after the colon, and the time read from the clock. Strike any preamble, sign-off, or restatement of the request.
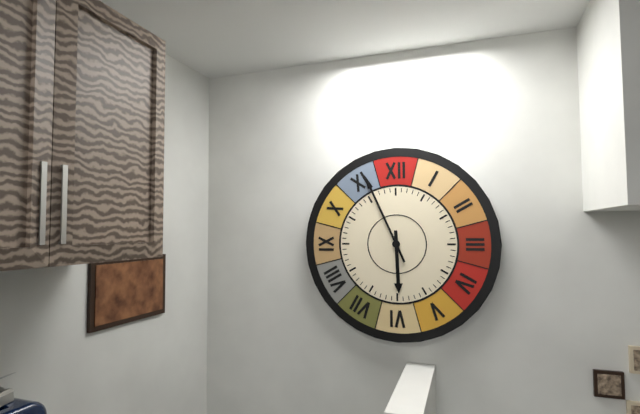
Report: 5:56
